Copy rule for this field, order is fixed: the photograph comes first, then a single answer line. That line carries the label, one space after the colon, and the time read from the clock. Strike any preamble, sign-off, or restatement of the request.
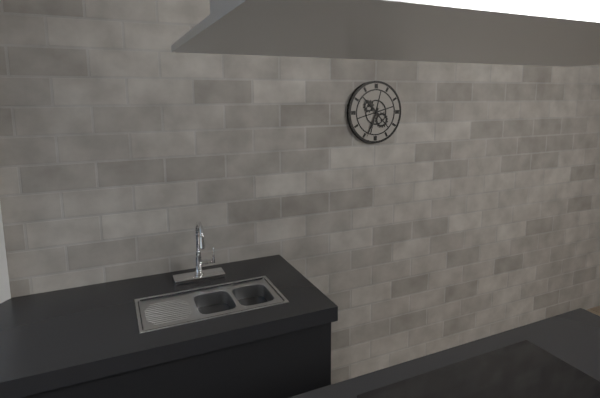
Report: 10:34
